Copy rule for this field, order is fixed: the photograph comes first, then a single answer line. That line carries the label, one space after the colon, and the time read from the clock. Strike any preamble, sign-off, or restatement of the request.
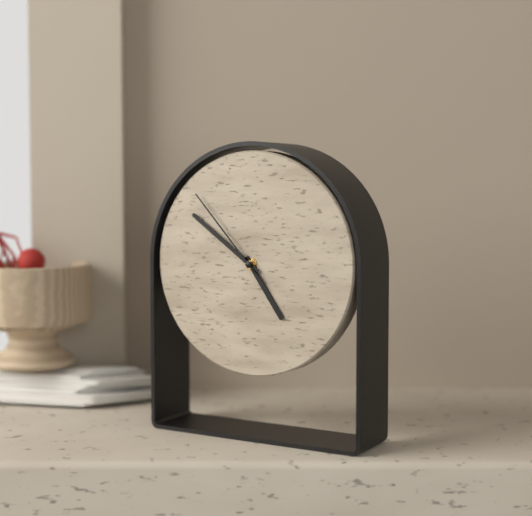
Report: 4:51:53
